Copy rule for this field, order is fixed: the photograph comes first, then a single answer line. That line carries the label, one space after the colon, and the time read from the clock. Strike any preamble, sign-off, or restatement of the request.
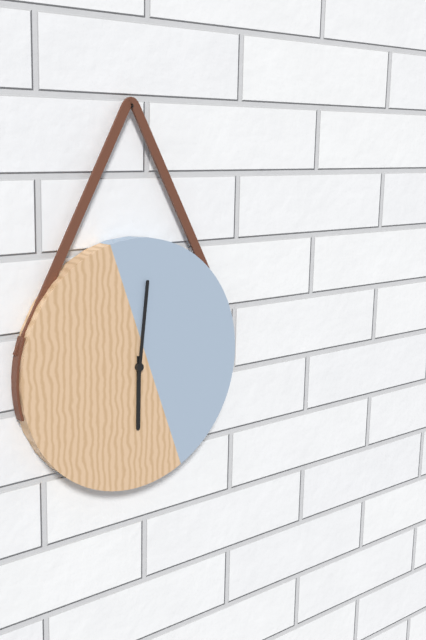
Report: 6:01
